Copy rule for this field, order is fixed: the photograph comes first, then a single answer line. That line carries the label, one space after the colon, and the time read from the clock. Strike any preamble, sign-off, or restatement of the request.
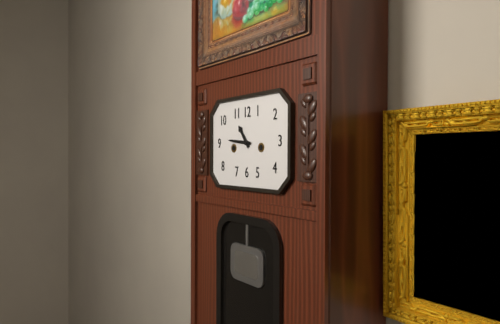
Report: 10:46
